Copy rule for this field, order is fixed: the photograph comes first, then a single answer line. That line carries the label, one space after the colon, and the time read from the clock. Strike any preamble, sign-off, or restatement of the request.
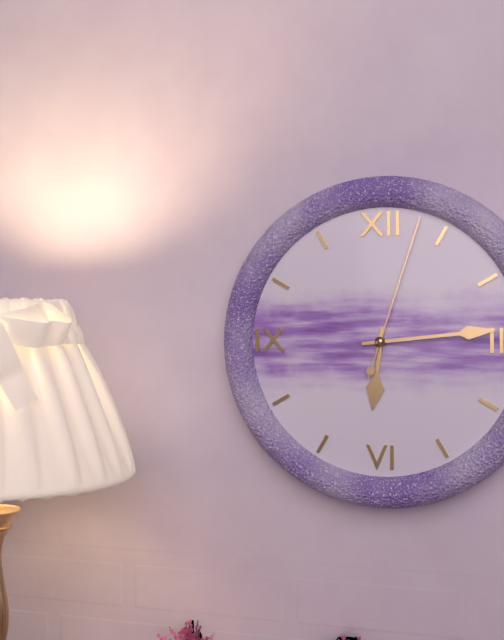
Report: 6:14:03
